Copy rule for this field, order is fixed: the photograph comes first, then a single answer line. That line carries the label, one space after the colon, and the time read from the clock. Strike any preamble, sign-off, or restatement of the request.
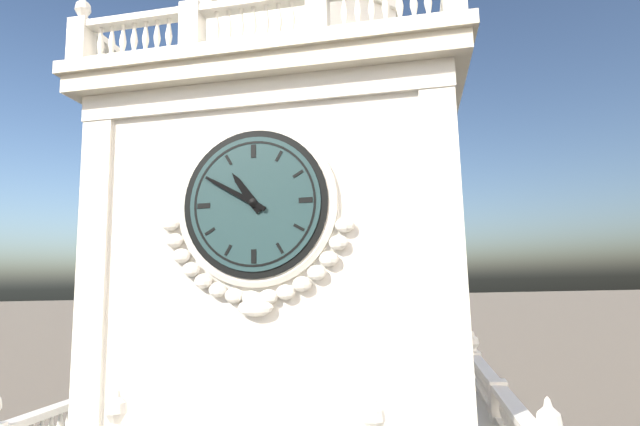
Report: 10:50
